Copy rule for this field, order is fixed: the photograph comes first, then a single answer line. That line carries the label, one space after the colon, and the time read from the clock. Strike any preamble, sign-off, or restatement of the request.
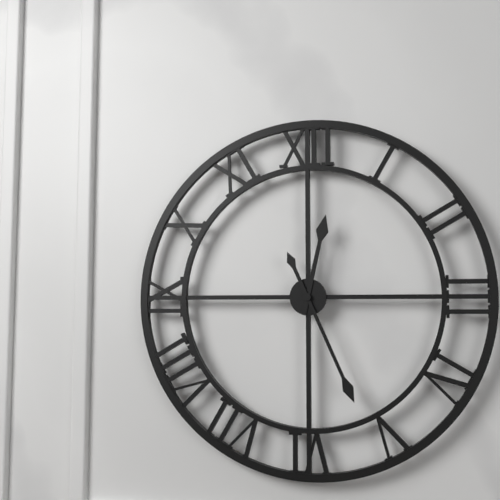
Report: 12:26
